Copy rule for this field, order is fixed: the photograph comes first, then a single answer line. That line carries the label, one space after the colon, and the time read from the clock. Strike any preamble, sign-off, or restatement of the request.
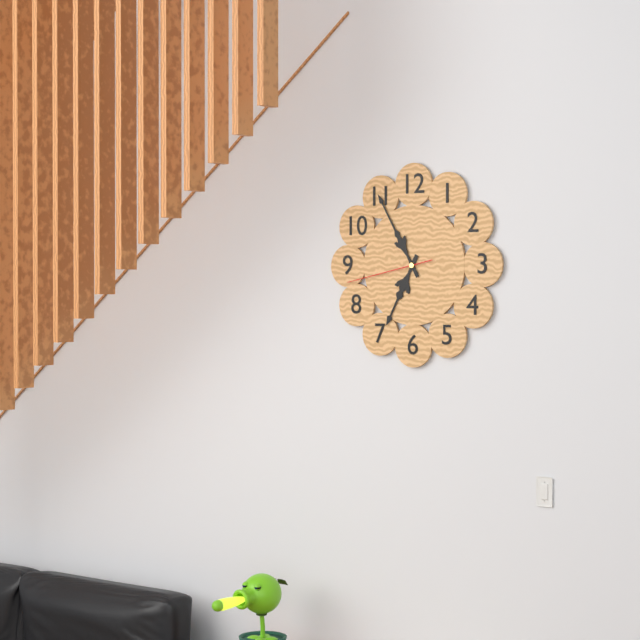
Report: 6:55:43
